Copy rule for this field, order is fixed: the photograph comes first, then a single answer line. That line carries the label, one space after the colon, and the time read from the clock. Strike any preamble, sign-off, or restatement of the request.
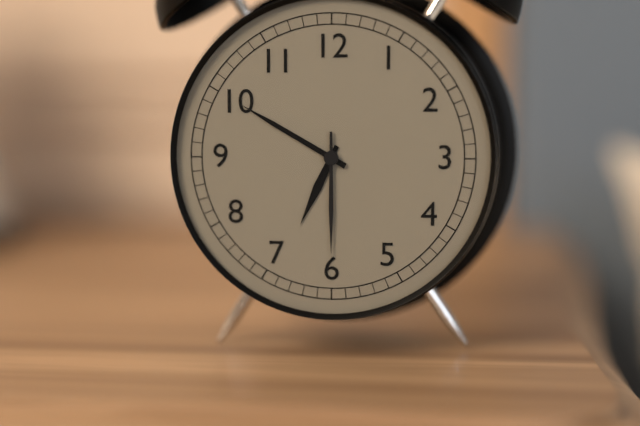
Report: 6:50:30
